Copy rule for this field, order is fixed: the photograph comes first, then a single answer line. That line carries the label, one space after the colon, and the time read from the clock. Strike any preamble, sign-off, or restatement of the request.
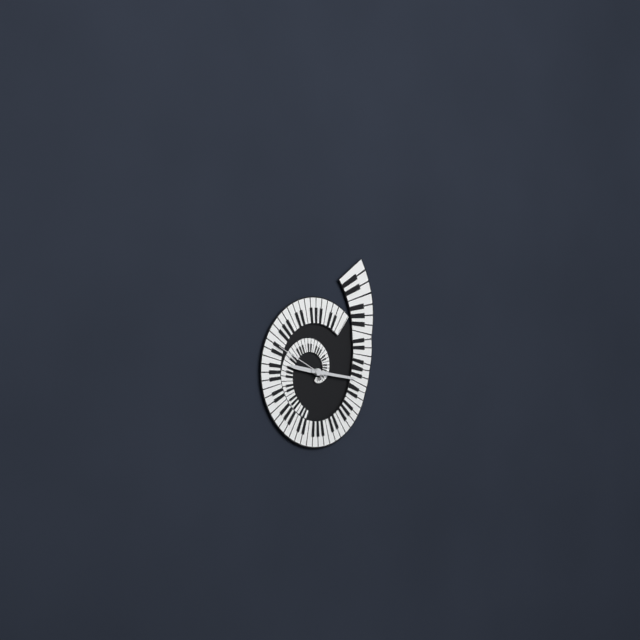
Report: 9:16:49
